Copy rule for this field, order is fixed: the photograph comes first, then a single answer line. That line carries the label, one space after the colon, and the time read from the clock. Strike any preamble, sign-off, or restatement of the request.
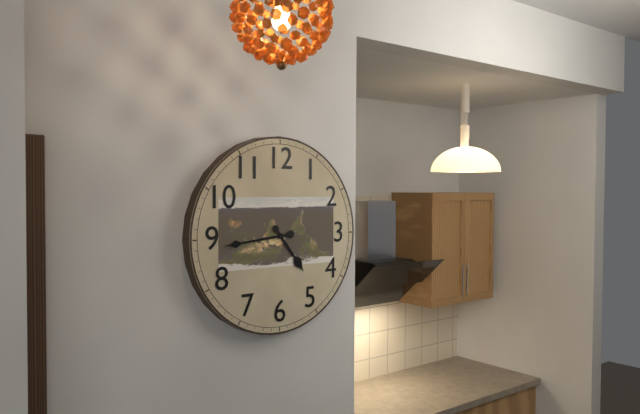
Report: 4:44
